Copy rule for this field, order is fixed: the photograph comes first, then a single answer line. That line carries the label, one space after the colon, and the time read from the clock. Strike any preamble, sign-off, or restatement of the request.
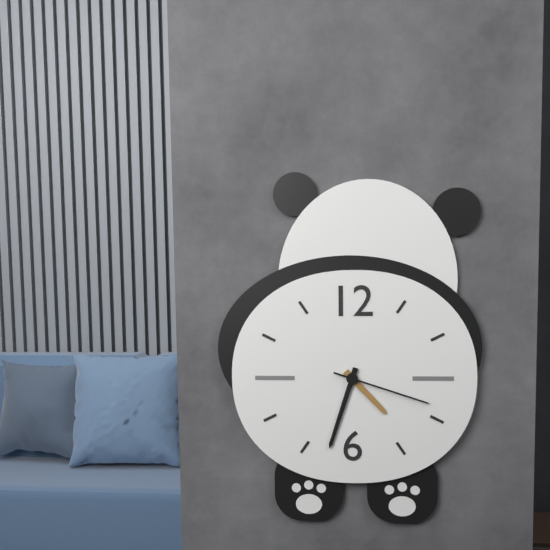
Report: 4:33:18
